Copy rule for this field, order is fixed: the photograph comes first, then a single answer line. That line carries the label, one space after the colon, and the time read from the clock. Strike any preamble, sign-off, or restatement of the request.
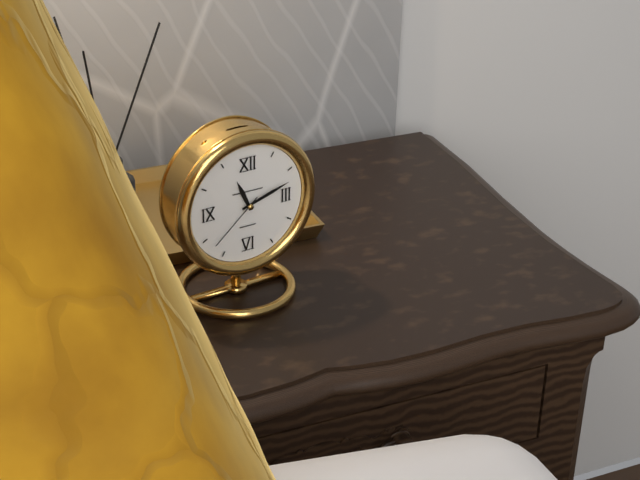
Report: 11:12:38
